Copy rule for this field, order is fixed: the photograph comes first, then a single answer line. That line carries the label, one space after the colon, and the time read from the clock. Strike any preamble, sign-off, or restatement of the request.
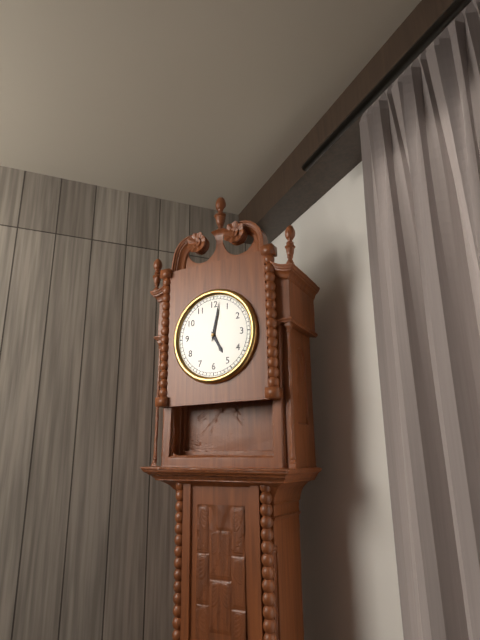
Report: 5:02
